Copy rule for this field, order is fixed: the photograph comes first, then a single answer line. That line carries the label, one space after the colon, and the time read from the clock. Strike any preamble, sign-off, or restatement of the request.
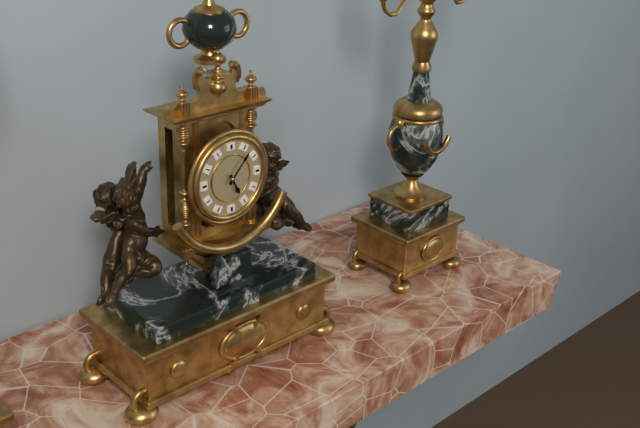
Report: 5:07
